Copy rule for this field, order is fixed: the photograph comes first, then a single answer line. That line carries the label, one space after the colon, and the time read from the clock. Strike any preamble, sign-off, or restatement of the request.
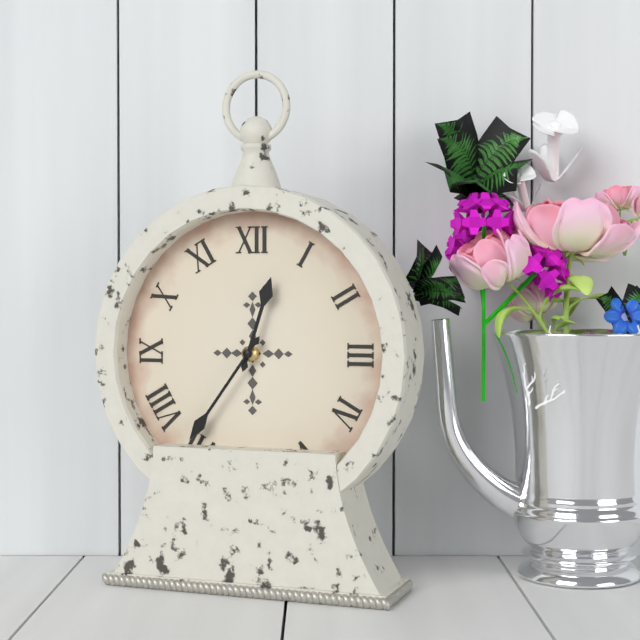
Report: 12:36
